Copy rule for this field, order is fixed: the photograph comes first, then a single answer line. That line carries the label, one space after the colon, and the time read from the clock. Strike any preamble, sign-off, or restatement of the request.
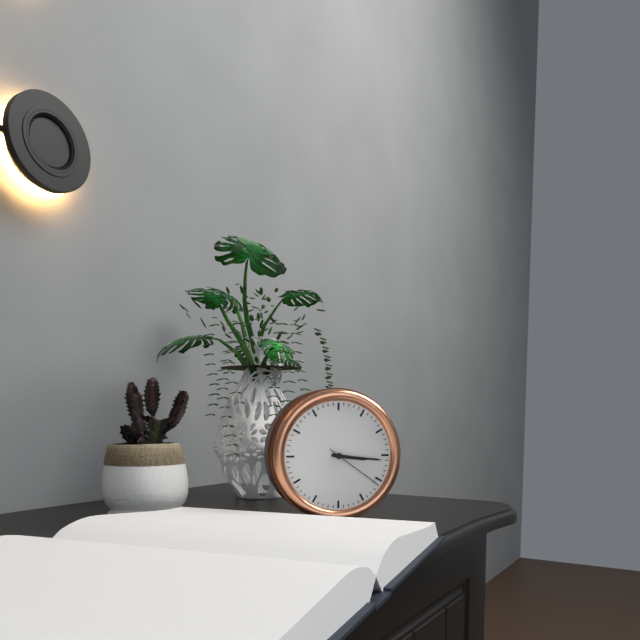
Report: 3:16:21
